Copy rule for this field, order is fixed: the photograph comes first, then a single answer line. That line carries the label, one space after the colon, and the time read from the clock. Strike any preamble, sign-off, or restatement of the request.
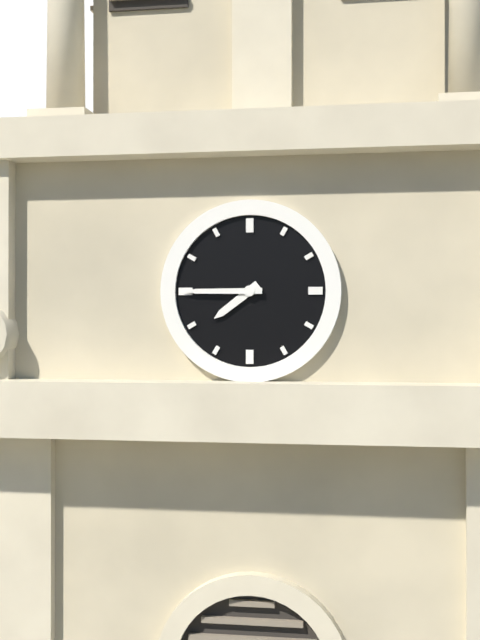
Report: 7:45
